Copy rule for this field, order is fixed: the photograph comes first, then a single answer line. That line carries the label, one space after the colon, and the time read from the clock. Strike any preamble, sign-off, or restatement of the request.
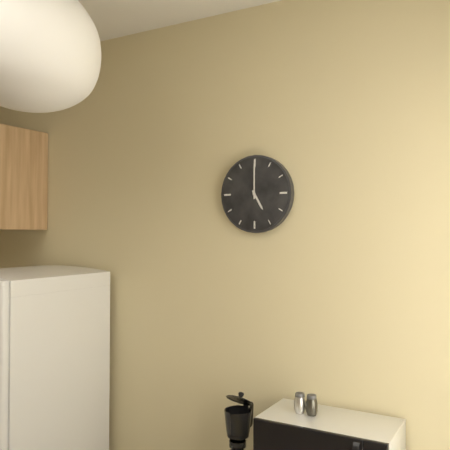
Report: 5:00
